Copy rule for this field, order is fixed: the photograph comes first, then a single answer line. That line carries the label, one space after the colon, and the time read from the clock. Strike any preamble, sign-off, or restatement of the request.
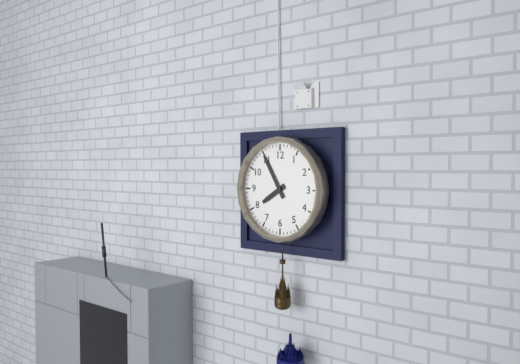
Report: 7:55
